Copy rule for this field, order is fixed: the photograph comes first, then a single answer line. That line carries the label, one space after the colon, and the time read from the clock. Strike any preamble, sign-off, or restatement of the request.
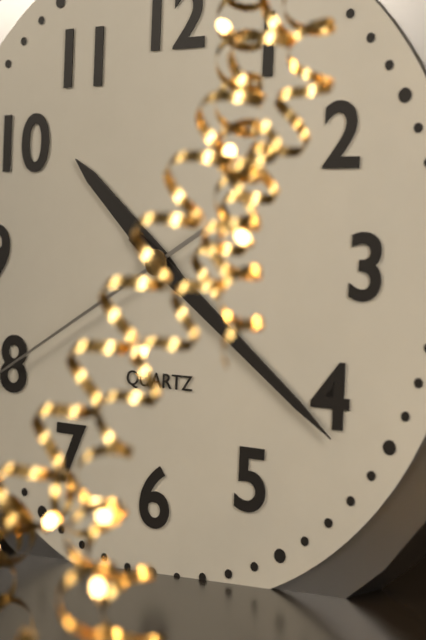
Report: 10:21
